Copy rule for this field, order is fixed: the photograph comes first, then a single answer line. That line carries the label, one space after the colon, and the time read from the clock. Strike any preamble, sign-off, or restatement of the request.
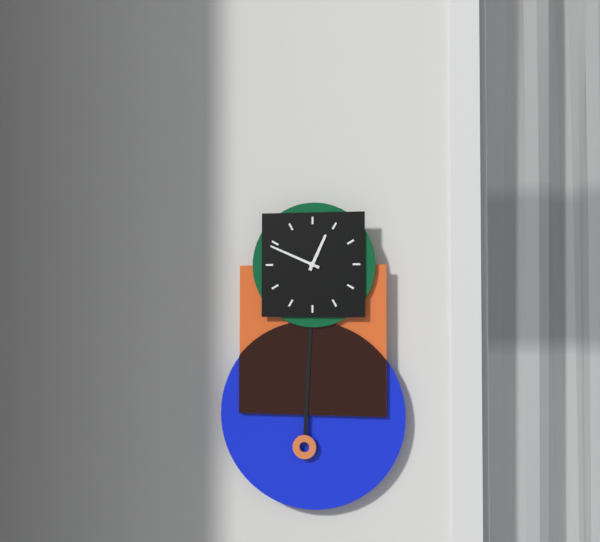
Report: 12:49
